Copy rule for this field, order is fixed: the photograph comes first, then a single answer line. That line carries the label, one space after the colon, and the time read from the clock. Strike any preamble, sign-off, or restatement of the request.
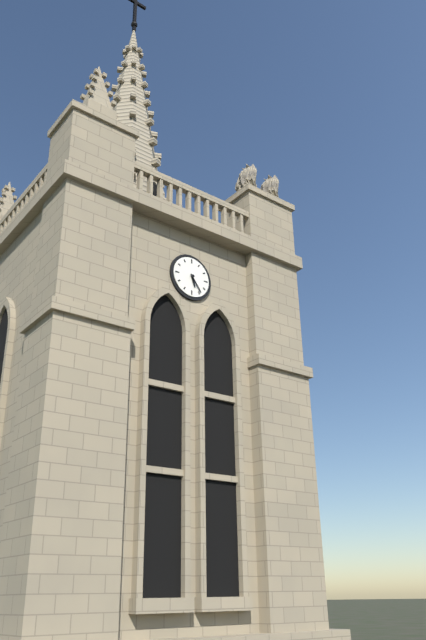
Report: 5:24
